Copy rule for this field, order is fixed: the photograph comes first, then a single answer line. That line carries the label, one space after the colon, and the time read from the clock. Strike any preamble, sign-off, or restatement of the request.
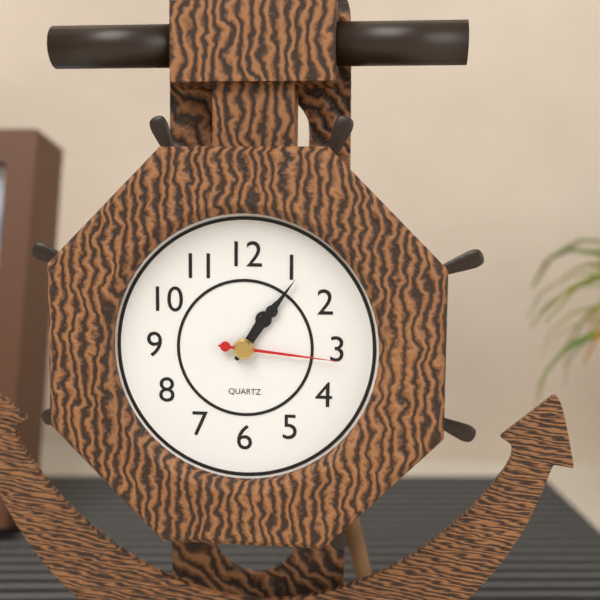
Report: 1:06:16
